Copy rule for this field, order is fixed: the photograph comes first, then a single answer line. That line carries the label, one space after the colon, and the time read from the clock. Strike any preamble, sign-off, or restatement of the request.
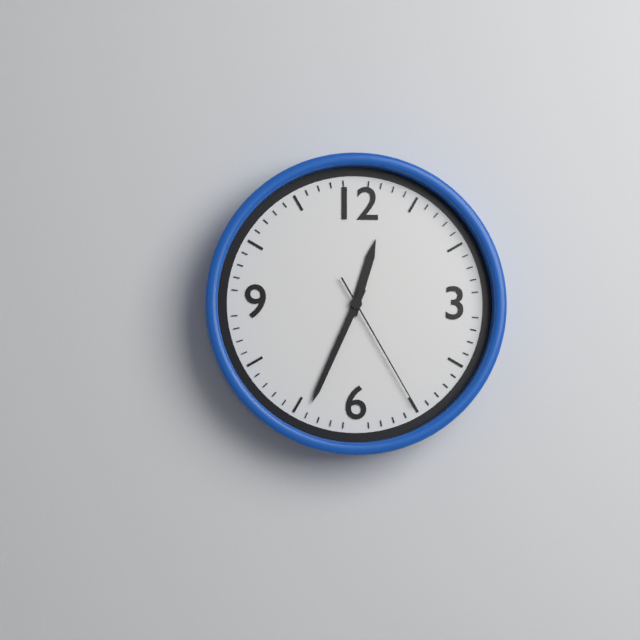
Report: 12:34:25
